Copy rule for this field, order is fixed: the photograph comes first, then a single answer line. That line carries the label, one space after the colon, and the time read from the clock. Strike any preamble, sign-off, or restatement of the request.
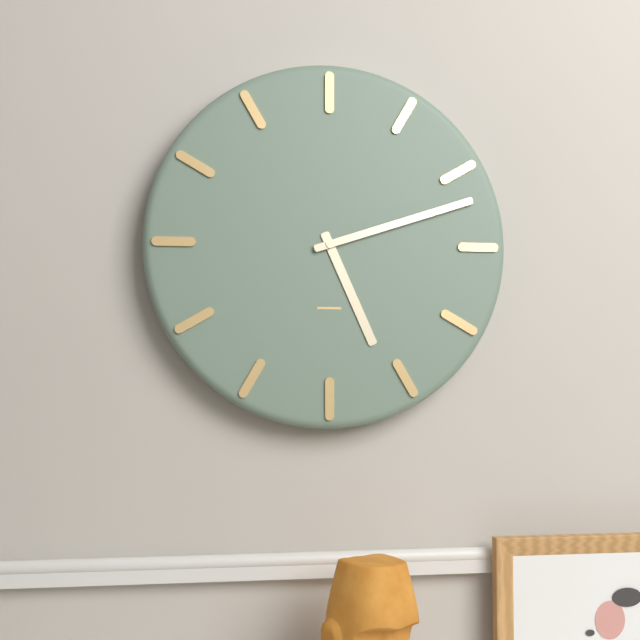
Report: 5:12
